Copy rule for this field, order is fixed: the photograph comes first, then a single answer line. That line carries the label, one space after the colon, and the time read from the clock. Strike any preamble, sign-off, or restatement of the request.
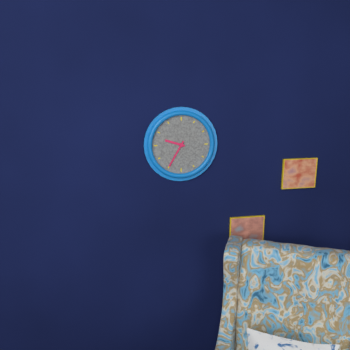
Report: 9:35
